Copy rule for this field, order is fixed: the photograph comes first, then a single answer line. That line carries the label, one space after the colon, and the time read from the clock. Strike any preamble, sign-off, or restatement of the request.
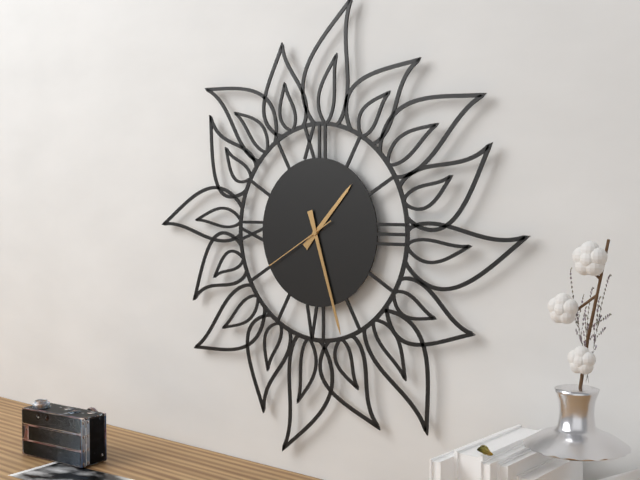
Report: 1:27:40
